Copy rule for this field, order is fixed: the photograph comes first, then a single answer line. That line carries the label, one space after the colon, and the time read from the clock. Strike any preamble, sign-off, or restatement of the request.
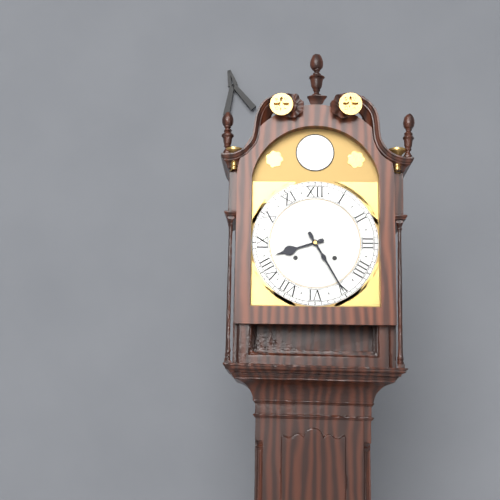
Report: 8:25
